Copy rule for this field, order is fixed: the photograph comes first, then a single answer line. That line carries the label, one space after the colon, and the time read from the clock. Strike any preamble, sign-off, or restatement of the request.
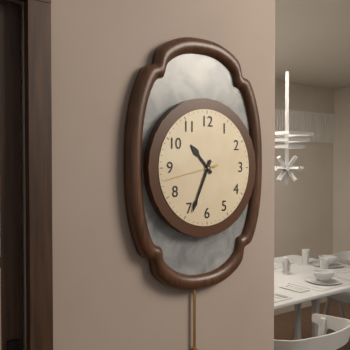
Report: 10:34:43
